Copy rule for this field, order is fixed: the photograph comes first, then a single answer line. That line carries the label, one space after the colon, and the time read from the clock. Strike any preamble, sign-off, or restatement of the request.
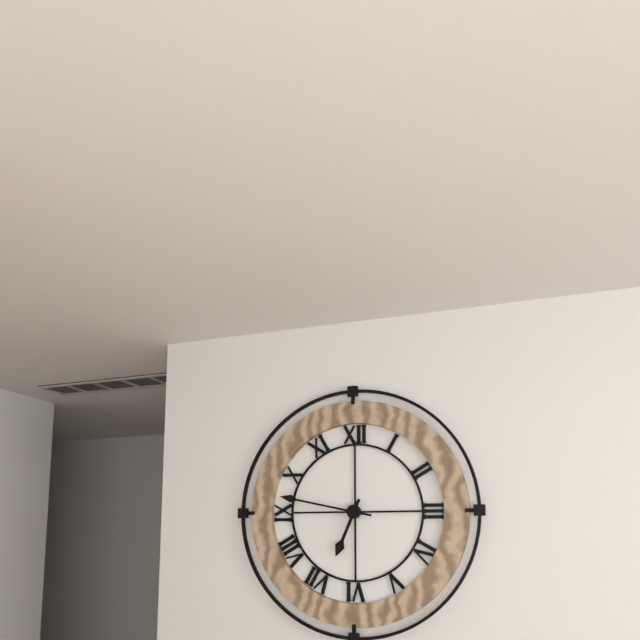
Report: 6:47
